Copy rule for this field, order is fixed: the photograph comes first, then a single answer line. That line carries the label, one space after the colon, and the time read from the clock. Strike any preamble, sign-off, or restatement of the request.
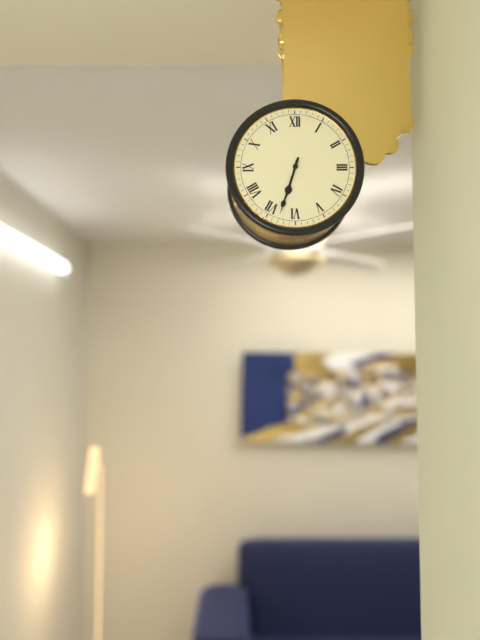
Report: 6:33
